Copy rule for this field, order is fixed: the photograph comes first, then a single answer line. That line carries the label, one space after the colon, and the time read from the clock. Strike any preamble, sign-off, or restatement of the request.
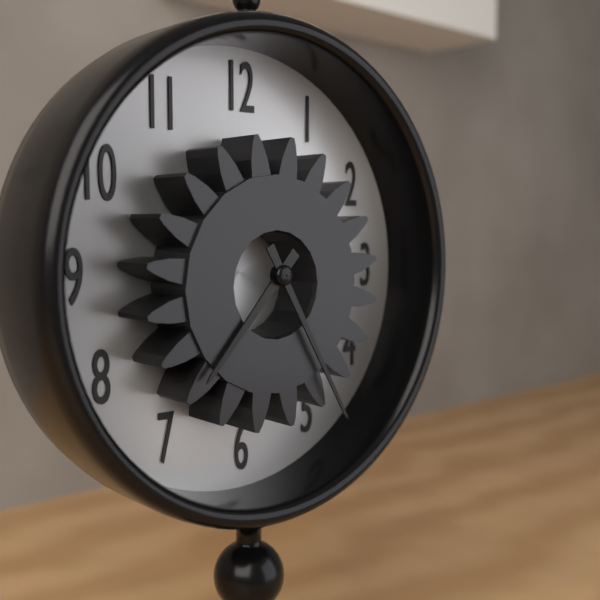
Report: 7:25
